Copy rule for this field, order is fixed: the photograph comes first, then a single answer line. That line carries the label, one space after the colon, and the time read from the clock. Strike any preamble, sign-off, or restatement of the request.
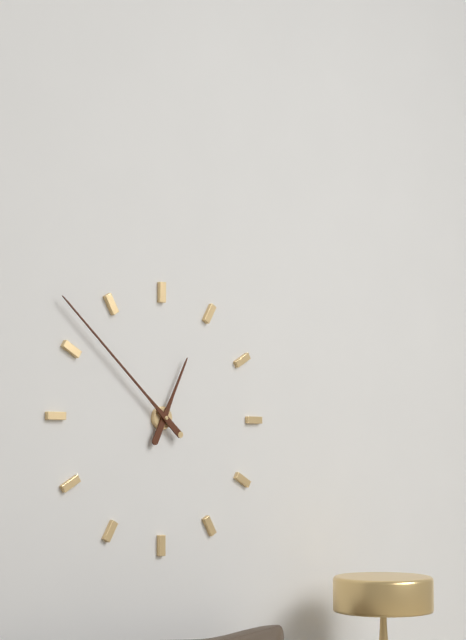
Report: 12:52
